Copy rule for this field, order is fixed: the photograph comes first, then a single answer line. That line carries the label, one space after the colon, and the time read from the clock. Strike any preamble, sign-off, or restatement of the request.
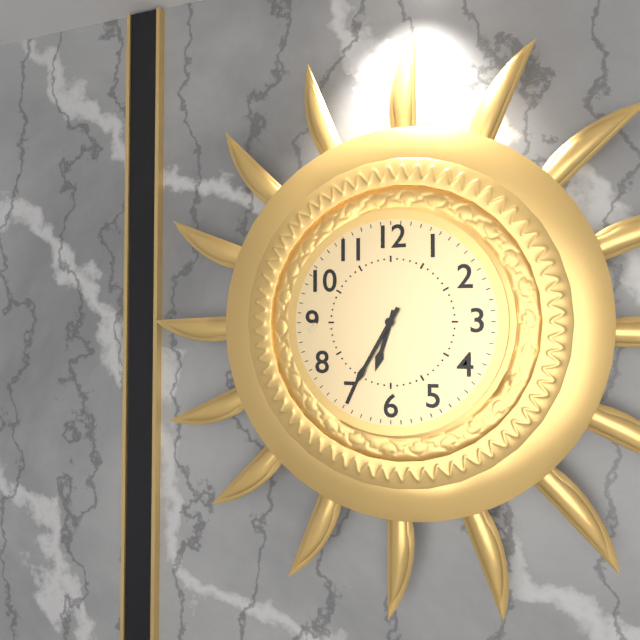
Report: 6:35
